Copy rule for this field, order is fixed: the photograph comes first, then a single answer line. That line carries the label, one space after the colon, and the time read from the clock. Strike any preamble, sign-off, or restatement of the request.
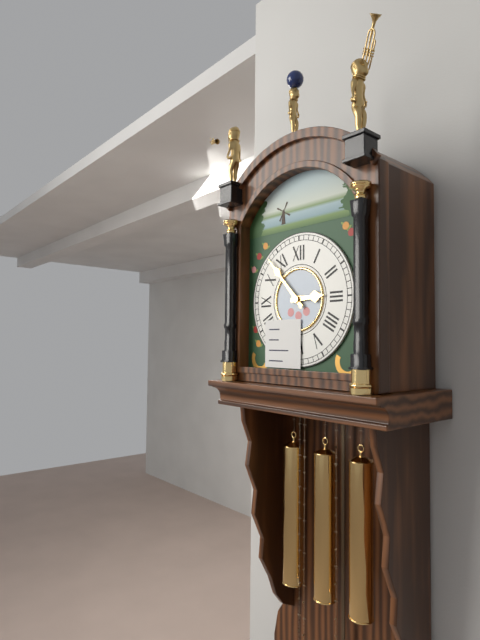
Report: 2:53
